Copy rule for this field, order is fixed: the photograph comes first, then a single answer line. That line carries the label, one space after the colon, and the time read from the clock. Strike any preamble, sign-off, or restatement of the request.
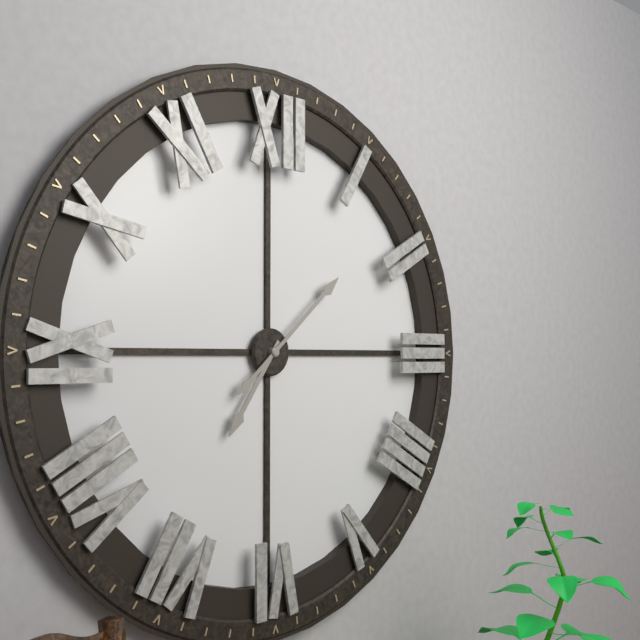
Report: 7:08
